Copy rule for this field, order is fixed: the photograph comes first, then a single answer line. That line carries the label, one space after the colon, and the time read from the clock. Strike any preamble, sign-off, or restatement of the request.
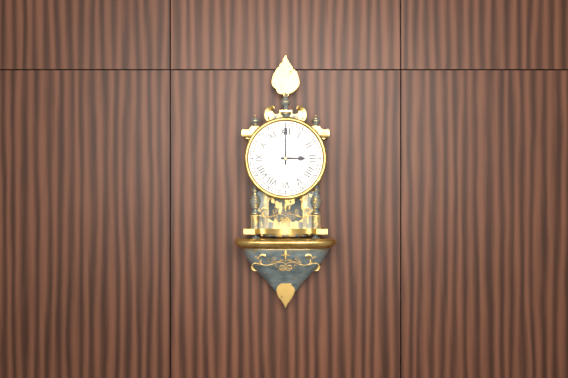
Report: 3:00
